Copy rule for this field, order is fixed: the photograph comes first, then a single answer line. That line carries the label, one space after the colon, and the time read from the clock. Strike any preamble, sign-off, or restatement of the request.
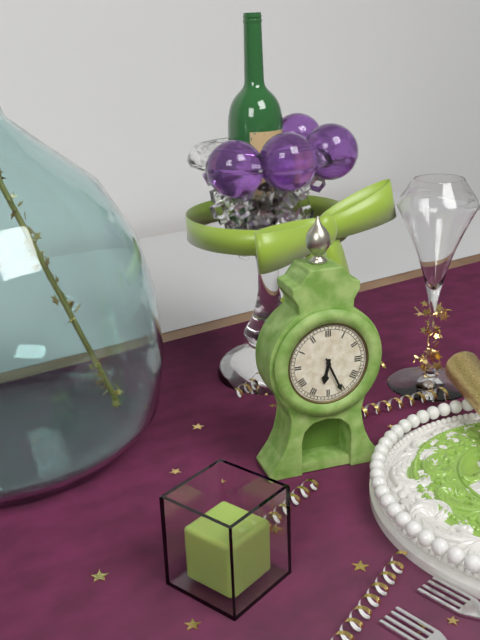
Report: 6:26
